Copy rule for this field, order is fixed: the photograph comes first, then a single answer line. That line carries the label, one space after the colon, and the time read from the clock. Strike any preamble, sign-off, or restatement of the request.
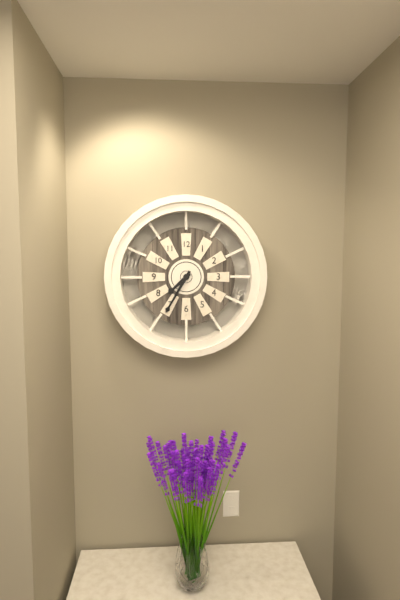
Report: 7:35
